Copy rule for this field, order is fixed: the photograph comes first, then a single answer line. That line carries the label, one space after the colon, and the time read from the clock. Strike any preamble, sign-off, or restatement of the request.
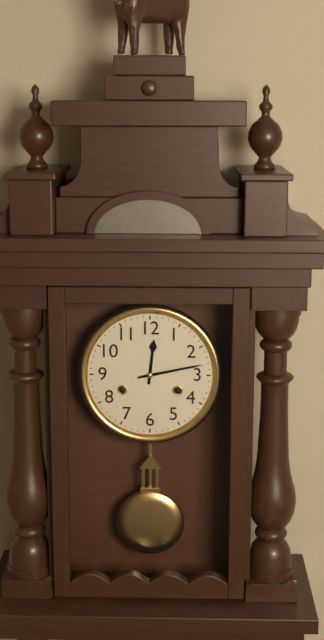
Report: 12:13
